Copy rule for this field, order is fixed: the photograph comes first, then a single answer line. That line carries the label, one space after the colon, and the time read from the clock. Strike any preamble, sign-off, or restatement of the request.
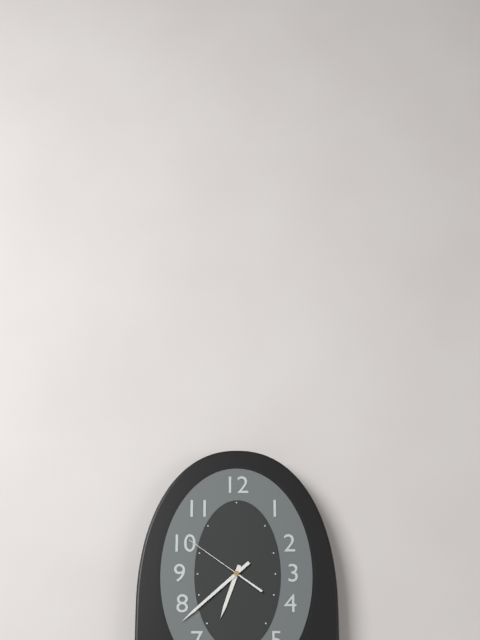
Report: 6:38:51
